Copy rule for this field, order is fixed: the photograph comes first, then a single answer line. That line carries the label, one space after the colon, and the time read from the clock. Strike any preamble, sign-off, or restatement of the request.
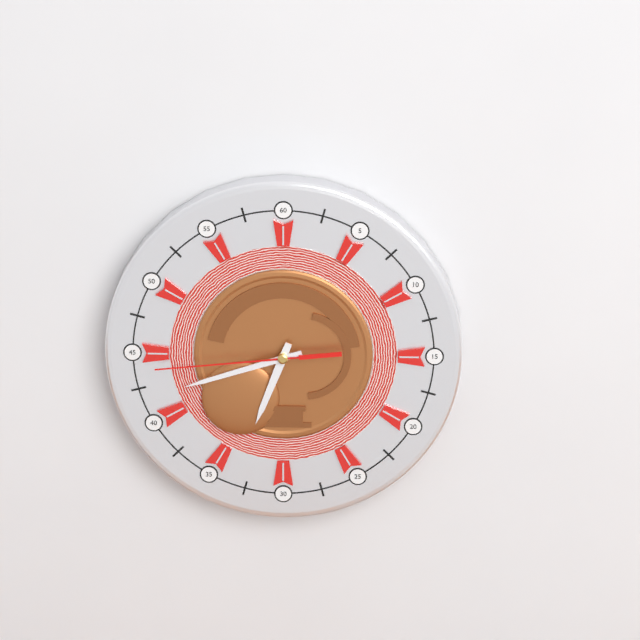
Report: 6:42:44
